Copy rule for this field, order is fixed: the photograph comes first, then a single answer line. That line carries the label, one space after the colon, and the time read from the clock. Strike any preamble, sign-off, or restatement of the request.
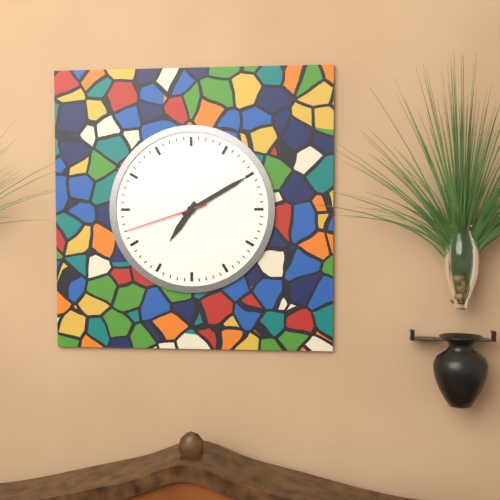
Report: 7:10:42
